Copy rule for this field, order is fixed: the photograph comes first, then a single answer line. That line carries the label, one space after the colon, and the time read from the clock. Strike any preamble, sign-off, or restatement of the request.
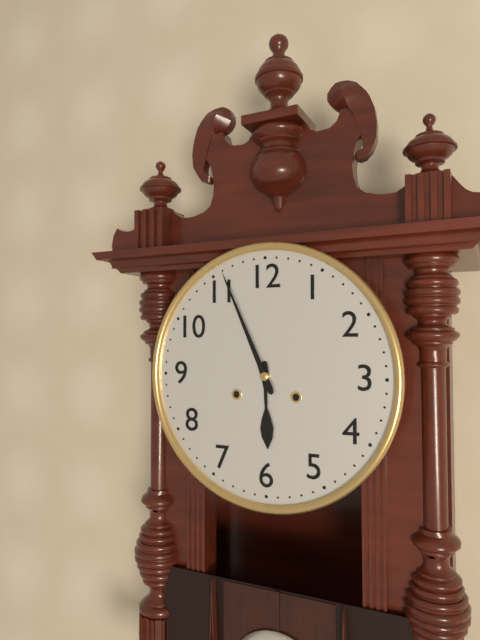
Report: 5:56
